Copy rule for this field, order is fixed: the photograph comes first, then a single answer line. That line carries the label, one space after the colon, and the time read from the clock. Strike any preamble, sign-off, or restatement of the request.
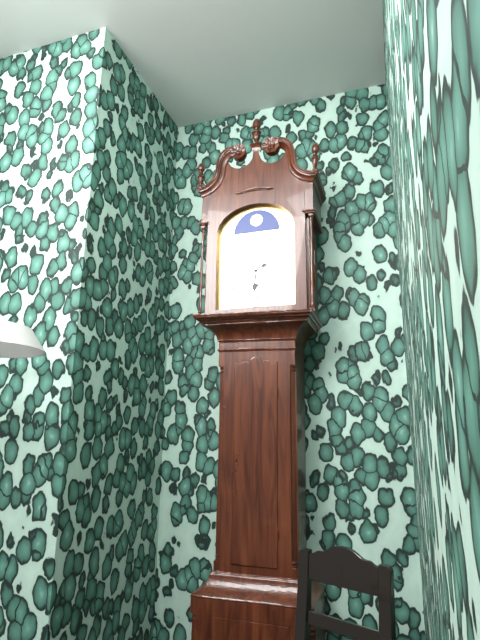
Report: 6:11
